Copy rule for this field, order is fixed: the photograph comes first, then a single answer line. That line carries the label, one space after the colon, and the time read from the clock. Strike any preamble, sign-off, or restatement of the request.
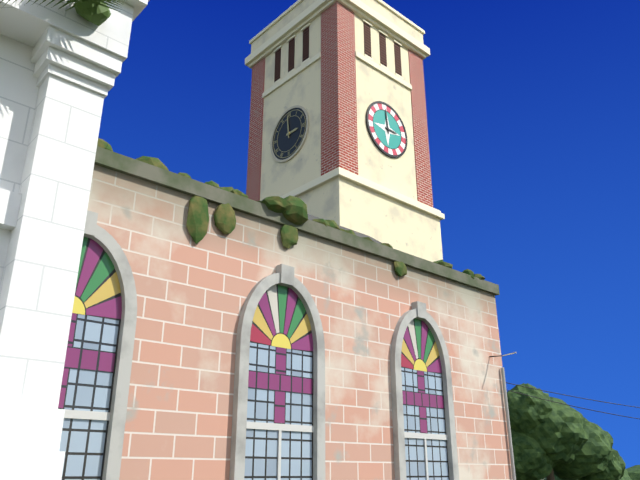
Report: 2:59
